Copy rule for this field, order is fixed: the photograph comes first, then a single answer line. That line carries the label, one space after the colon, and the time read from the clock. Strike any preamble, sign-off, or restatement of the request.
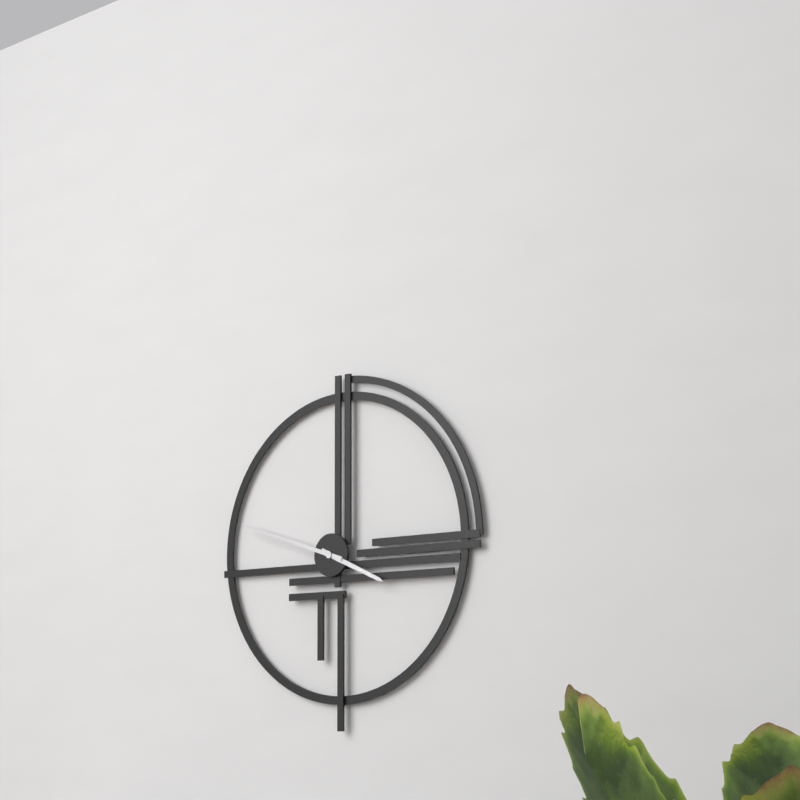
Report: 3:48
